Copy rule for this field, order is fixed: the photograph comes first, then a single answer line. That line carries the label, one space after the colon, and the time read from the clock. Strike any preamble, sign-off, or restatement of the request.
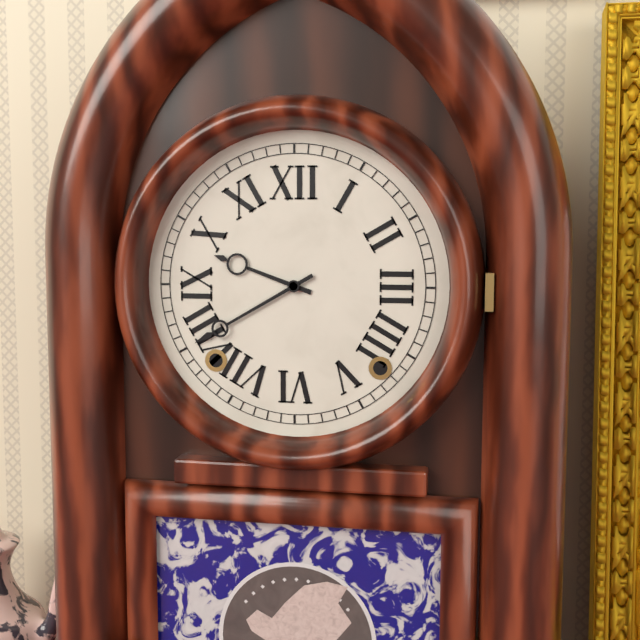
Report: 9:40
